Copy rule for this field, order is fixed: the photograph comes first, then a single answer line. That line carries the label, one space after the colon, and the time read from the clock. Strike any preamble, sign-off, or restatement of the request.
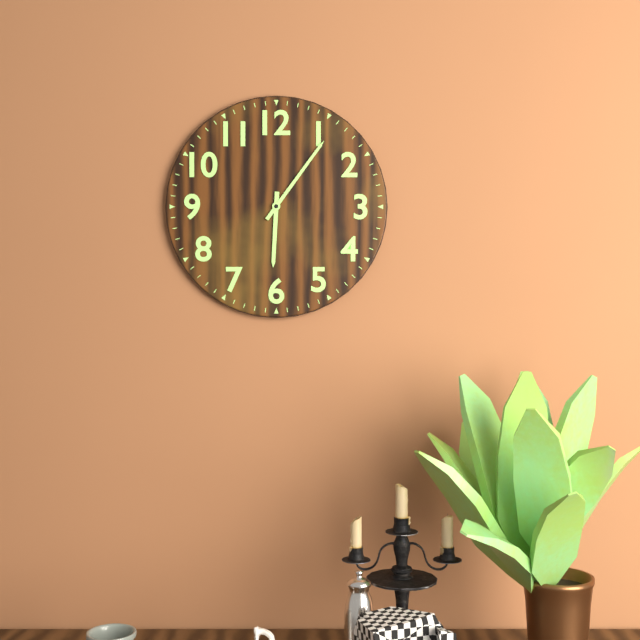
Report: 6:06
